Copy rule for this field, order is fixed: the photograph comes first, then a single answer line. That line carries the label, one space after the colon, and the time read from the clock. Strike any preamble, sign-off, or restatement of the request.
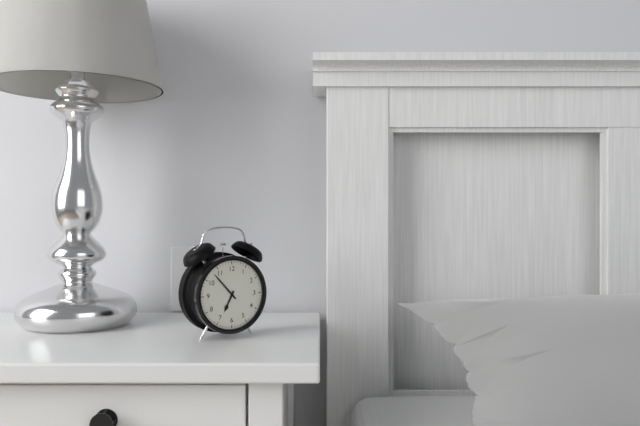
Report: 6:53
